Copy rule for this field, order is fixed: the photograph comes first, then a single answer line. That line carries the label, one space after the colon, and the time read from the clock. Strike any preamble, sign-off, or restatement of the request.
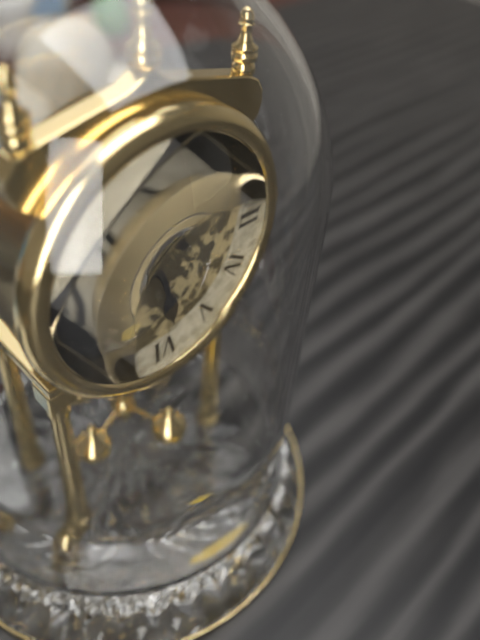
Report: 5:45
